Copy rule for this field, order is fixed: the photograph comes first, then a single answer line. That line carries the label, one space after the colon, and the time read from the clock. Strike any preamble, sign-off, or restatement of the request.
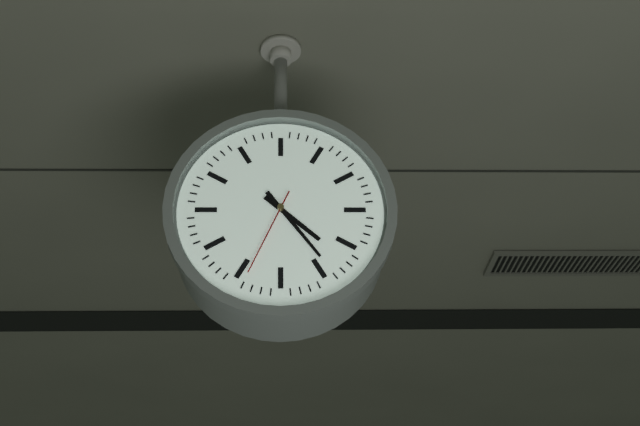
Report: 4:24:34
